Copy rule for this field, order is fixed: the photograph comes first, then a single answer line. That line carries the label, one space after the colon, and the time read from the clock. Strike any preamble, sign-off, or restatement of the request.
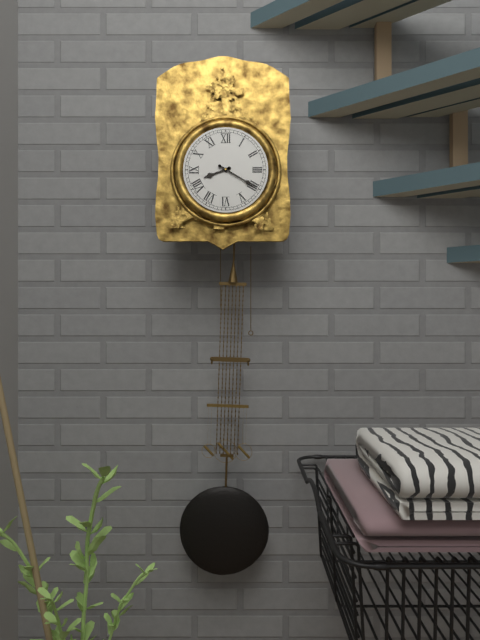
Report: 8:20
